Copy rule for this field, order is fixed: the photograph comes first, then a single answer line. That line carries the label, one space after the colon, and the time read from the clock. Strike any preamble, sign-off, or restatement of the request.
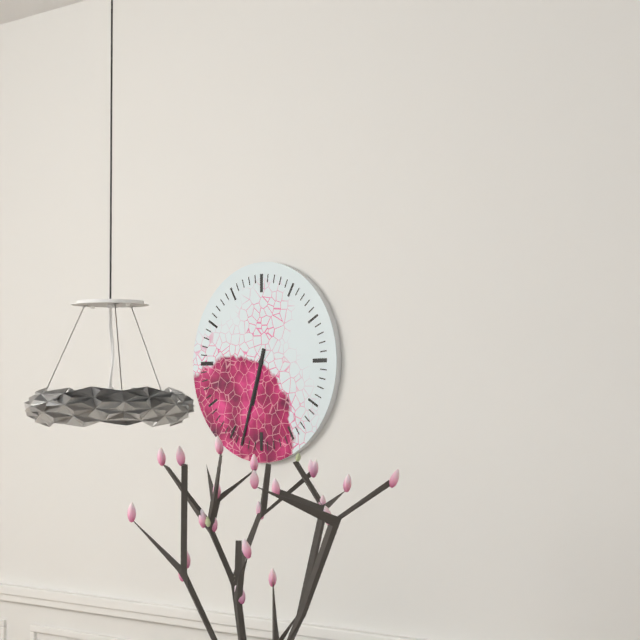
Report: 6:33
